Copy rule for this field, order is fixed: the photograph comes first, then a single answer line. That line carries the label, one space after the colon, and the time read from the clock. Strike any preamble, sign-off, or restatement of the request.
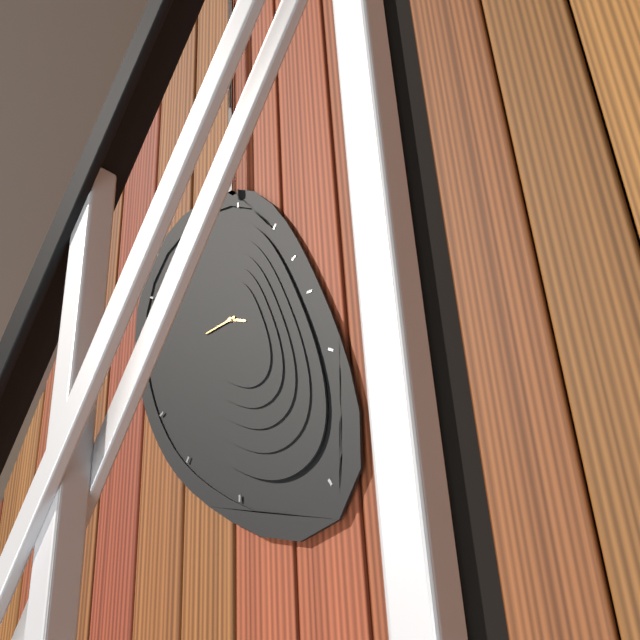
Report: 3:44
